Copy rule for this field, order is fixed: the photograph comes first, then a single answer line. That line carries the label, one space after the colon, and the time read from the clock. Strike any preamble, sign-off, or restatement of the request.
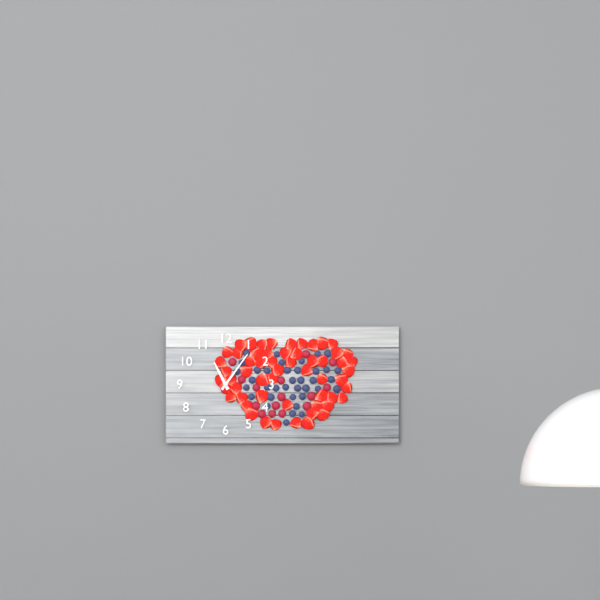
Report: 11:06
